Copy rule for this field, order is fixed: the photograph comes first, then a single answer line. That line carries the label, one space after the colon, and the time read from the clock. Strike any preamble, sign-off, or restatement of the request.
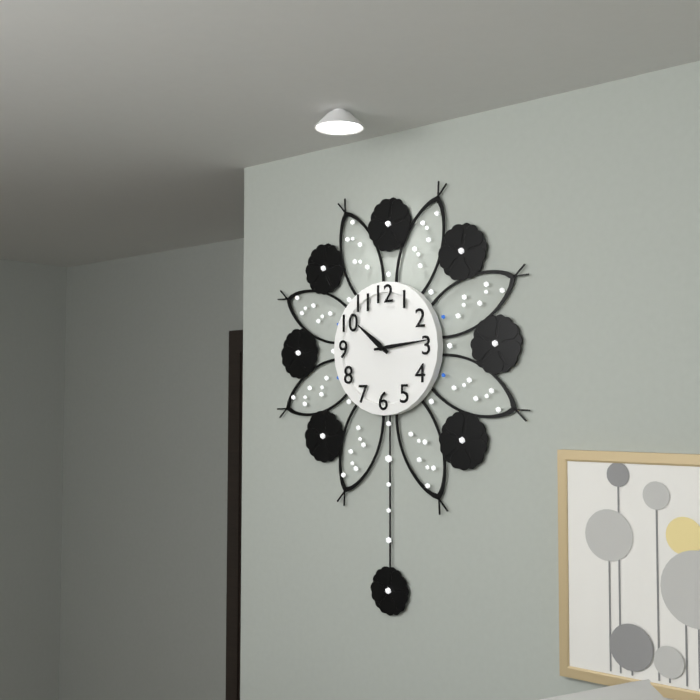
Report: 10:14
